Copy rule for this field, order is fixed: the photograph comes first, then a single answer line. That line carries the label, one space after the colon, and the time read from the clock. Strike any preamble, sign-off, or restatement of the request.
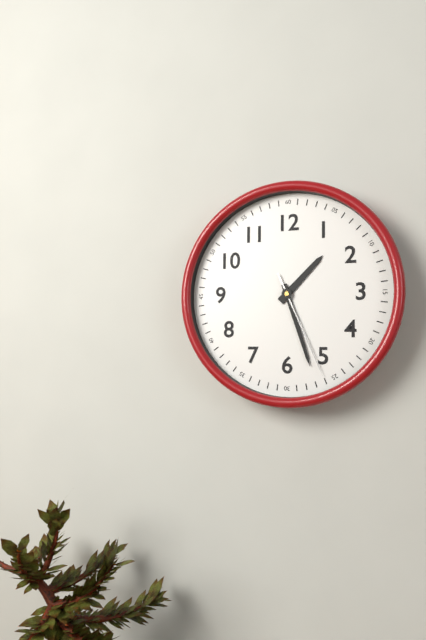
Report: 1:27:26
